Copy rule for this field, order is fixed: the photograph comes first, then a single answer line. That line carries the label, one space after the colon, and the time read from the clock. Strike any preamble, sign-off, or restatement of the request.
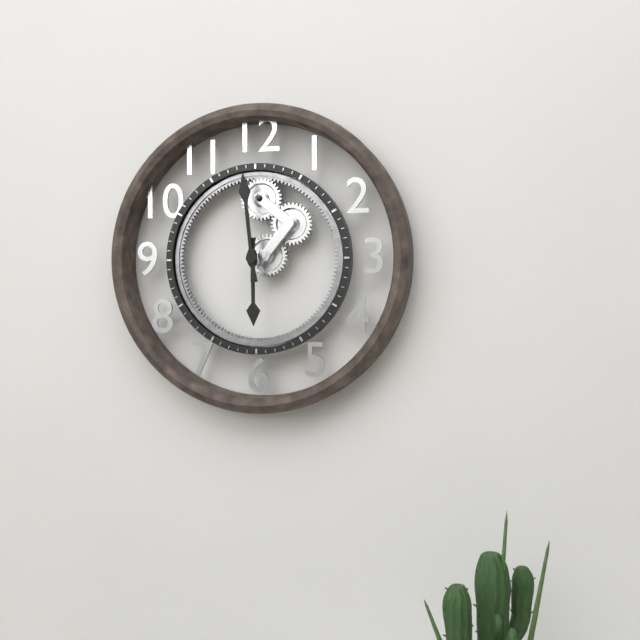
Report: 5:59
